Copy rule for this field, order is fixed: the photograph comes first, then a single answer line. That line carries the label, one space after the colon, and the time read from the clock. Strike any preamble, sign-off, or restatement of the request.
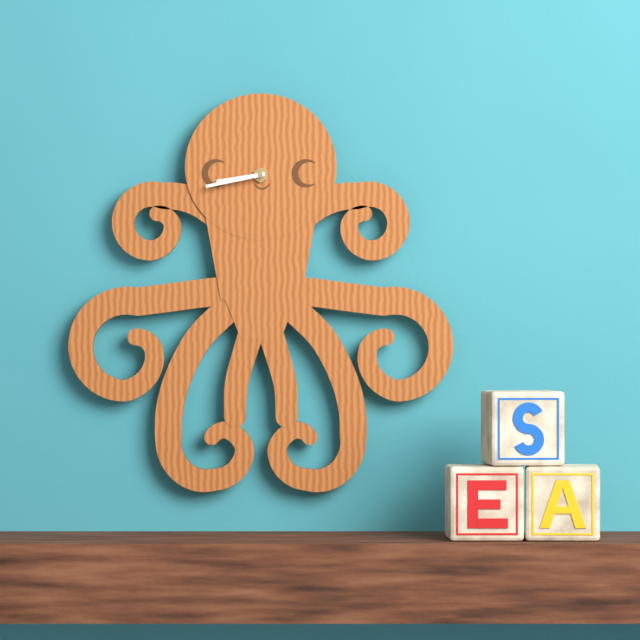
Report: 8:43
